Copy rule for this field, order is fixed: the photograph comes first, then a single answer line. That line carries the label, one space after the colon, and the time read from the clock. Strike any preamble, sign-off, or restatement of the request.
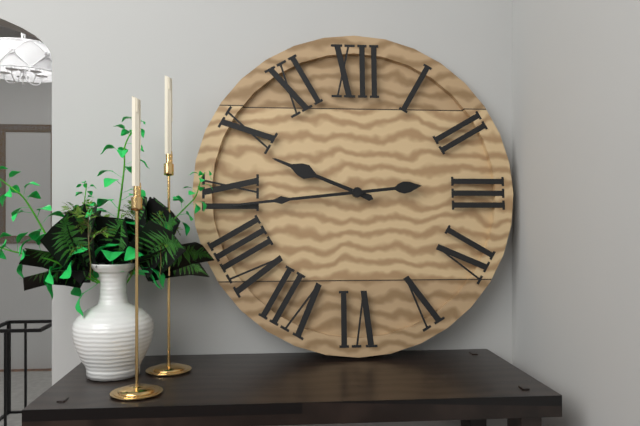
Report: 9:44
